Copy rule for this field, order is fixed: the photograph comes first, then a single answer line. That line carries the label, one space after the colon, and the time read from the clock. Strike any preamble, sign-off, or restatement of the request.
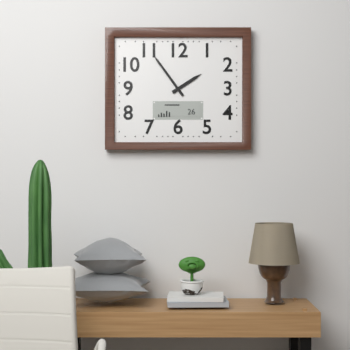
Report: 1:54
